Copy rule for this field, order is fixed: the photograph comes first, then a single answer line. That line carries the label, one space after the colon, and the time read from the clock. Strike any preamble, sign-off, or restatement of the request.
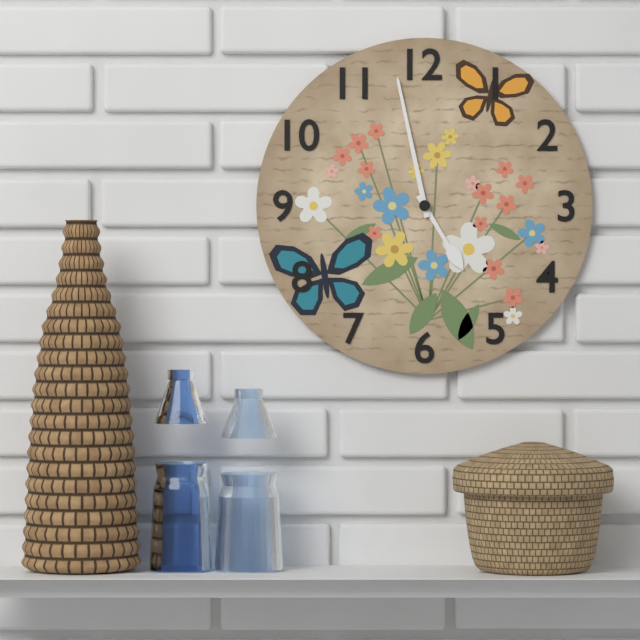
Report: 4:58
